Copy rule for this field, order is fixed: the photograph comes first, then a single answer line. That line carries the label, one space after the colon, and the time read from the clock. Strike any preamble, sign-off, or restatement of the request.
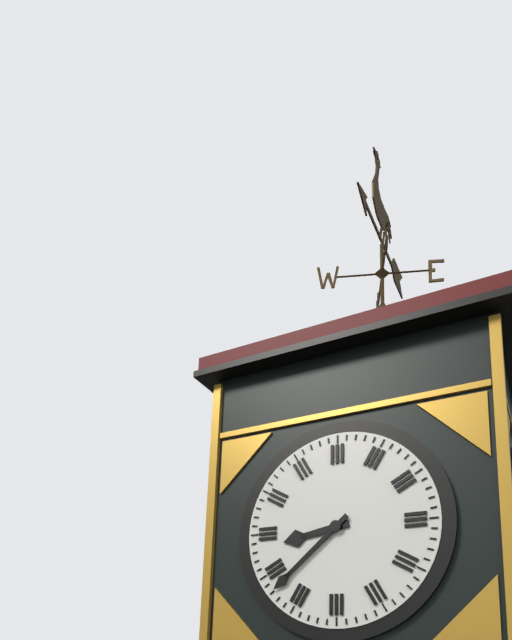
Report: 8:38
